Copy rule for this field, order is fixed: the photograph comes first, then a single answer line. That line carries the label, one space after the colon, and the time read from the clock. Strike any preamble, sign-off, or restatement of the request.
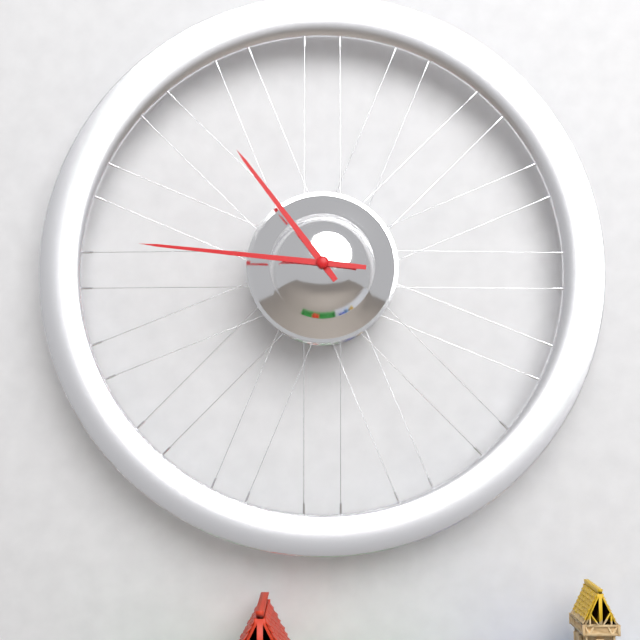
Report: 10:46
